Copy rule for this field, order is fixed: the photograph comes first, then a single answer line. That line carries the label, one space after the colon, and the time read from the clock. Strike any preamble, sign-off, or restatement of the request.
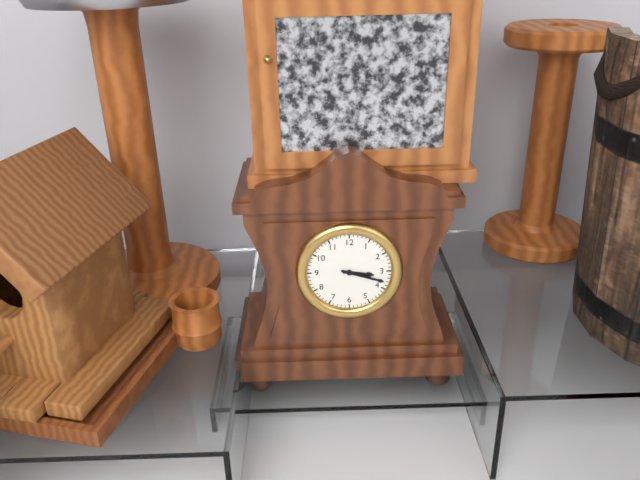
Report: 3:18
